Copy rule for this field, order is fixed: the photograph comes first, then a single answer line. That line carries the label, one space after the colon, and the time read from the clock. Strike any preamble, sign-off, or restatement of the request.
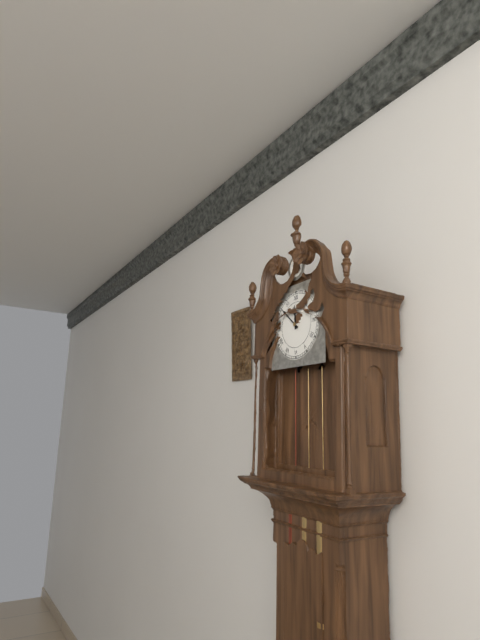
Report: 11:52
